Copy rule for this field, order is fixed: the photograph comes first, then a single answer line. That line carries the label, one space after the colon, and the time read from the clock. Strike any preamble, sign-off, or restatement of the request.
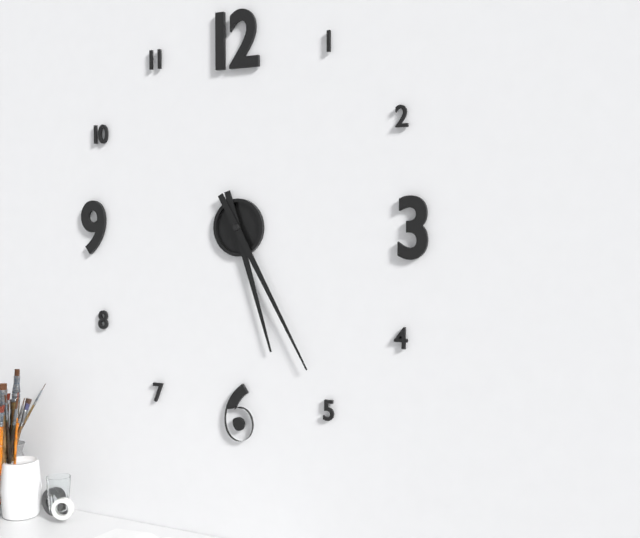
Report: 5:25
